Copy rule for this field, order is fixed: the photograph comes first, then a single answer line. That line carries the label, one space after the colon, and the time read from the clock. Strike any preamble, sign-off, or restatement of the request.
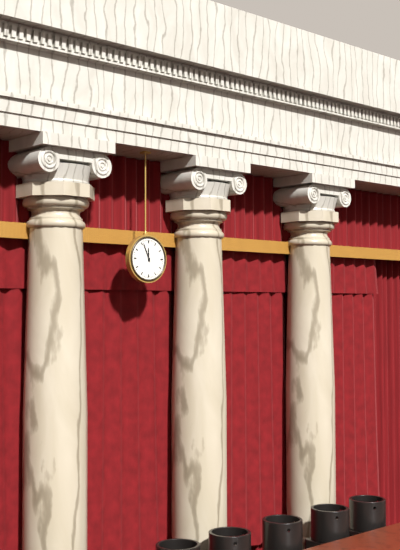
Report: 11:56
